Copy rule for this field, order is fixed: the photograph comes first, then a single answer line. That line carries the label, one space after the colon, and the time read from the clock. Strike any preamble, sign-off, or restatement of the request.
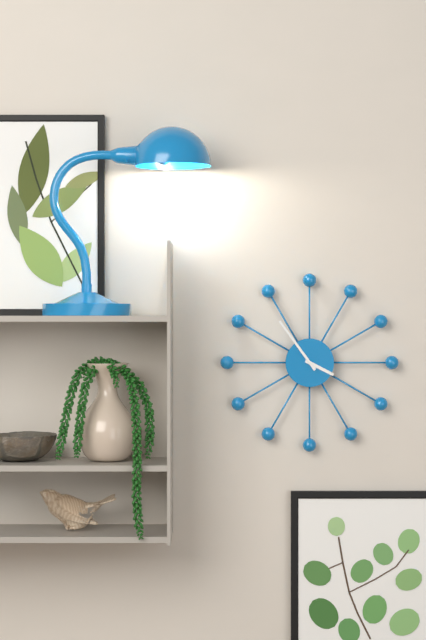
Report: 3:54
